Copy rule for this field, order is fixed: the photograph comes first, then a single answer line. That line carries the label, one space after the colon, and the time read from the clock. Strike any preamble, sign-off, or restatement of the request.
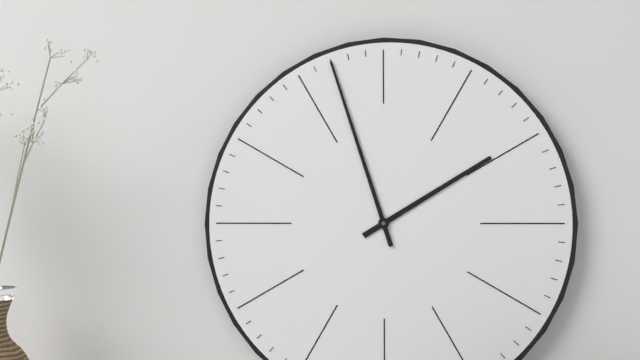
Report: 1:57
